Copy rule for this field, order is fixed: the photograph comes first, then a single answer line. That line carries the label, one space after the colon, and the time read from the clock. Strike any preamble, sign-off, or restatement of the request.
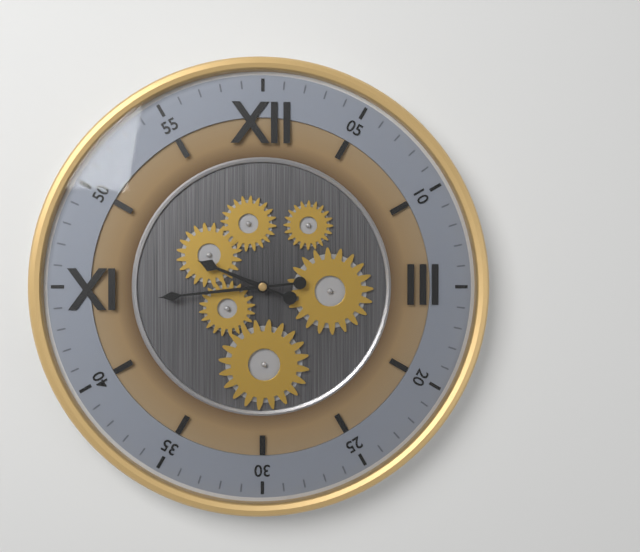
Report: 9:44
